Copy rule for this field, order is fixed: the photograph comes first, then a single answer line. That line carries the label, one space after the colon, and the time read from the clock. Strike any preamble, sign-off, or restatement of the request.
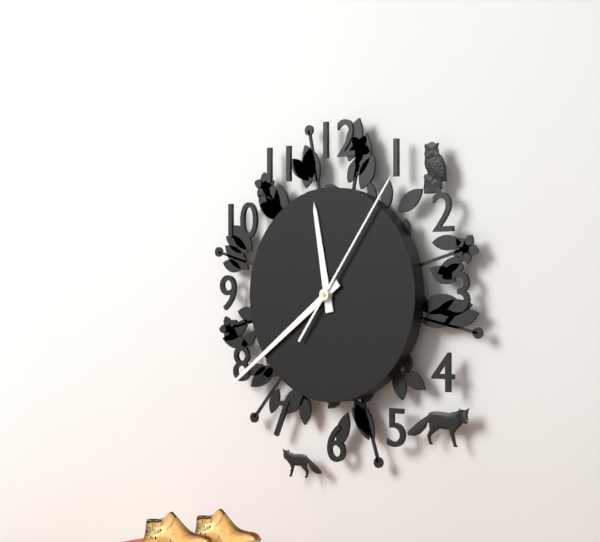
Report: 11:39:06
